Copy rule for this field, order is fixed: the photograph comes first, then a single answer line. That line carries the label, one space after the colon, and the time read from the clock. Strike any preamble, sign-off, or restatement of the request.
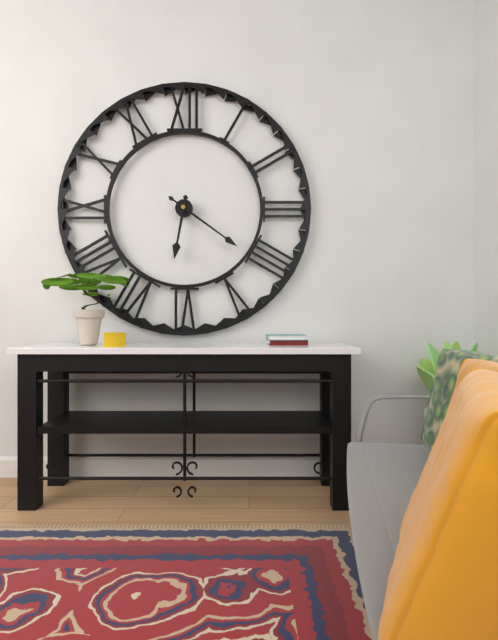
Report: 6:21
